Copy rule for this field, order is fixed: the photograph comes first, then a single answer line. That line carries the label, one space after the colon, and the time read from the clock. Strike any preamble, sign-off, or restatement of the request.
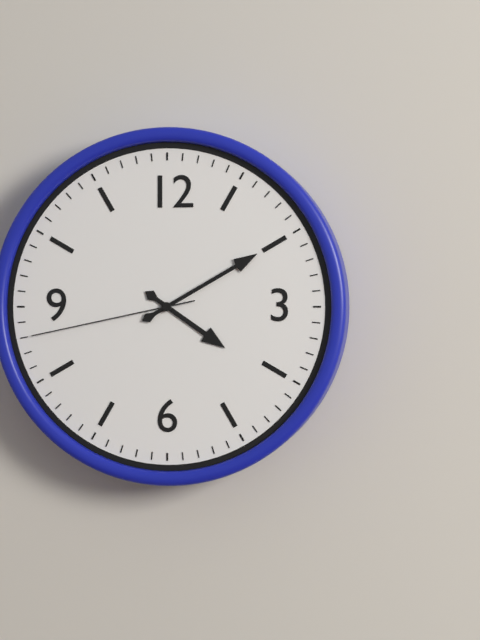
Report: 4:10:43
